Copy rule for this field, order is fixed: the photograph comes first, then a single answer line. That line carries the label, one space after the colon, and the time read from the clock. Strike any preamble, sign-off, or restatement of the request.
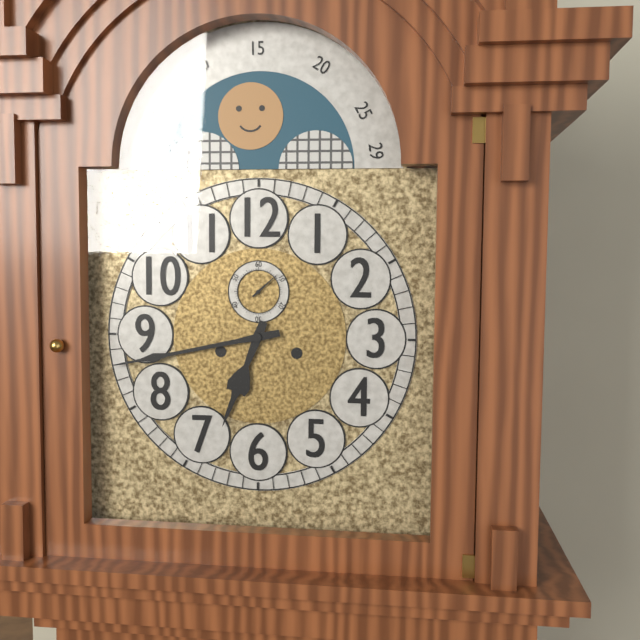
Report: 6:43
